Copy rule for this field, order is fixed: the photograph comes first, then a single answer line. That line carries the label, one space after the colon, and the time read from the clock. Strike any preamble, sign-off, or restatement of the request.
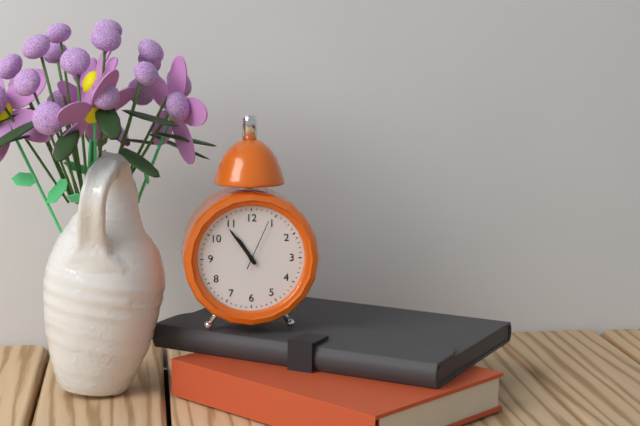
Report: 10:54
